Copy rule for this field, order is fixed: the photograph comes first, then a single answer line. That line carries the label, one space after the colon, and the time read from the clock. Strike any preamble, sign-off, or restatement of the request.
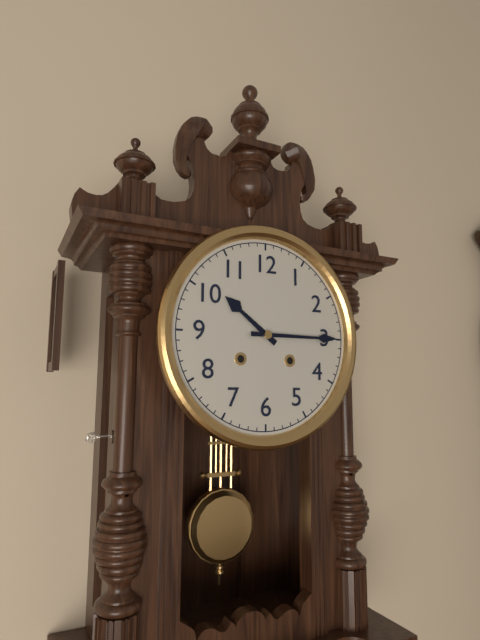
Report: 10:15
